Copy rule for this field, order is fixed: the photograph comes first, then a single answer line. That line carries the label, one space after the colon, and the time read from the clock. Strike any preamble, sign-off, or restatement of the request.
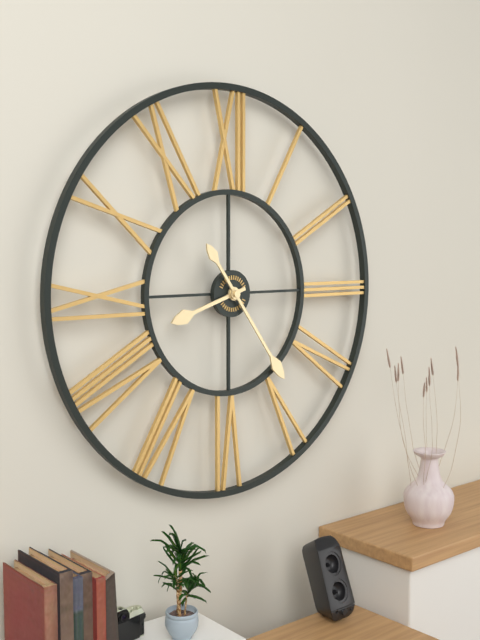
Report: 8:24
